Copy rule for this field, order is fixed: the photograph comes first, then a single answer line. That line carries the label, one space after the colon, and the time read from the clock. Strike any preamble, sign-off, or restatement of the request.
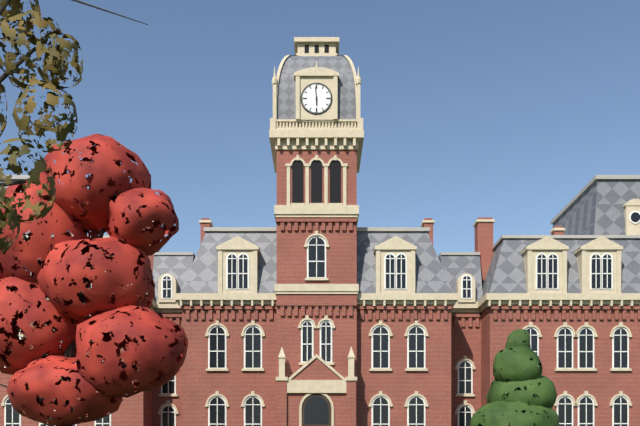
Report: 5:59
